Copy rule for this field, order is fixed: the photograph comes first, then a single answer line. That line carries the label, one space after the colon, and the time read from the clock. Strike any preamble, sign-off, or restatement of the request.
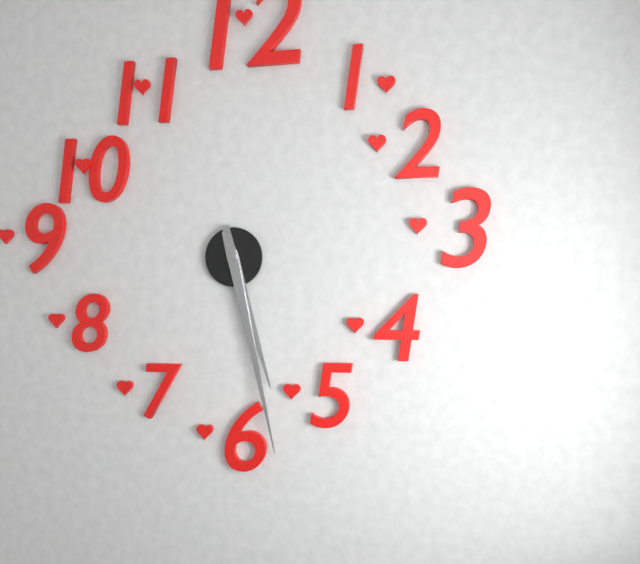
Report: 5:28
